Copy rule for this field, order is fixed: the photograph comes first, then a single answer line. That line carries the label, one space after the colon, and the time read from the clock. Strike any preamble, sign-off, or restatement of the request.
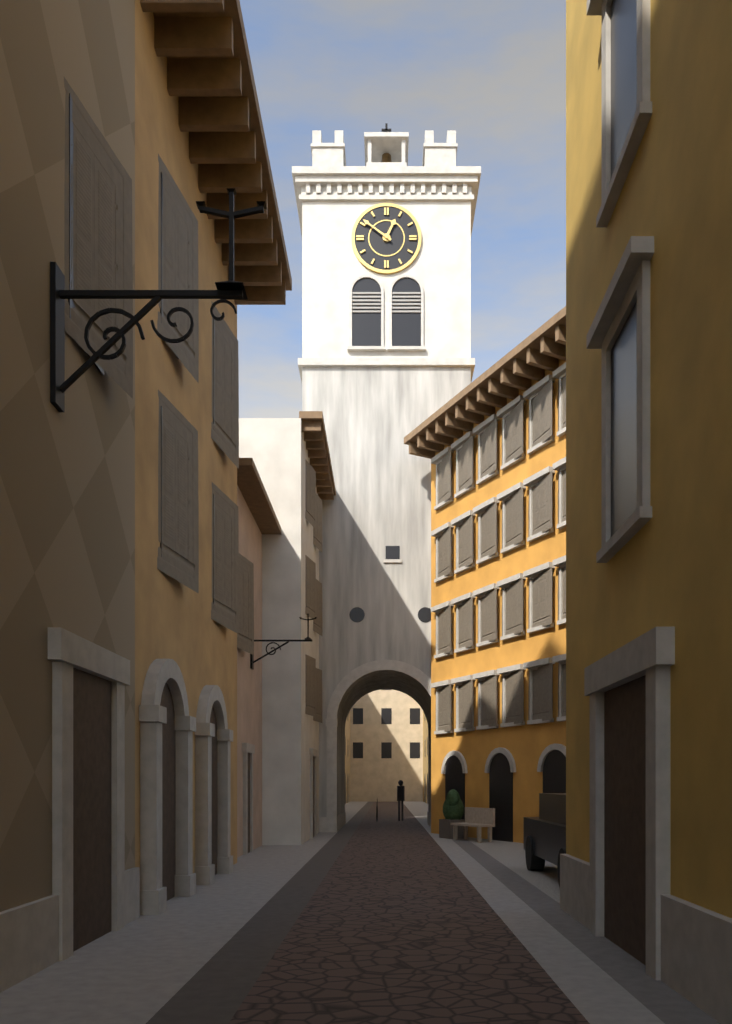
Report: 12:51
